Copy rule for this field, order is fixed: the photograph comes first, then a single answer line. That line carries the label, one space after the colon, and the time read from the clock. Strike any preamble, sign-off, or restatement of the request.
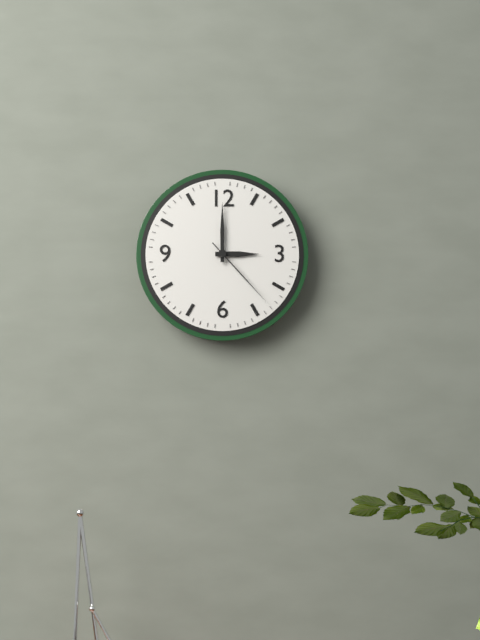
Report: 3:00:23
